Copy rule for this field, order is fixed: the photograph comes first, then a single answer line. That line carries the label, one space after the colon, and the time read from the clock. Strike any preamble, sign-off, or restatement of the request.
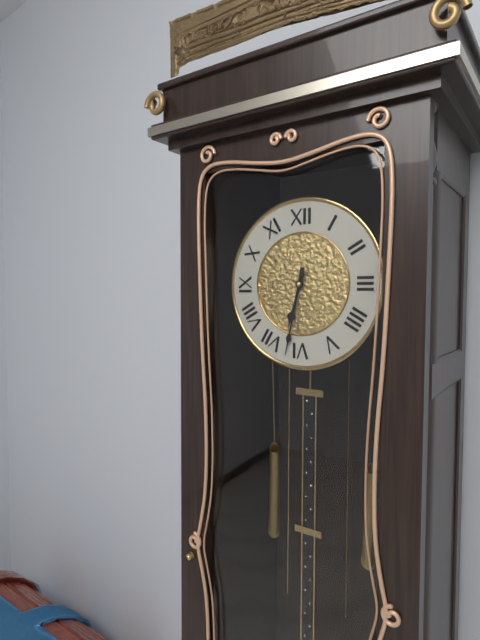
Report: 6:32
